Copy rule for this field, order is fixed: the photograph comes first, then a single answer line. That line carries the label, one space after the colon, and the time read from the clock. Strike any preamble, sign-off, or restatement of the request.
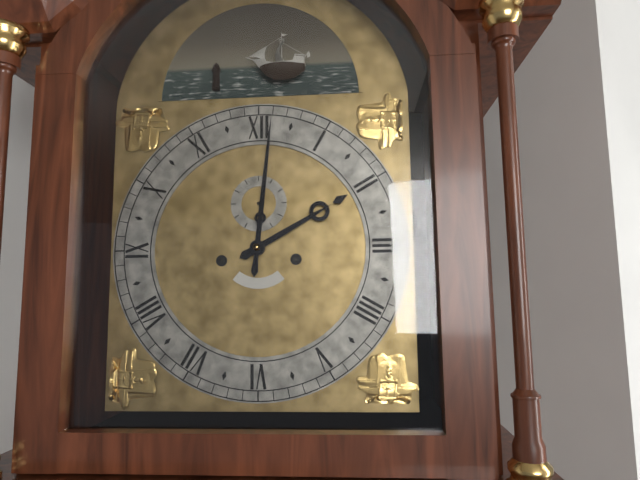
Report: 2:01
